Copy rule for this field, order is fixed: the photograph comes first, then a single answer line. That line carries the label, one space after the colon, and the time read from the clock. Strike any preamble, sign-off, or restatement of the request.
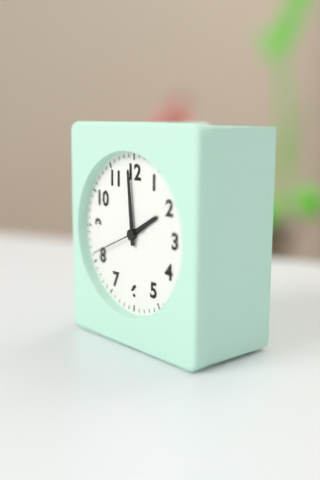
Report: 1:59:41
